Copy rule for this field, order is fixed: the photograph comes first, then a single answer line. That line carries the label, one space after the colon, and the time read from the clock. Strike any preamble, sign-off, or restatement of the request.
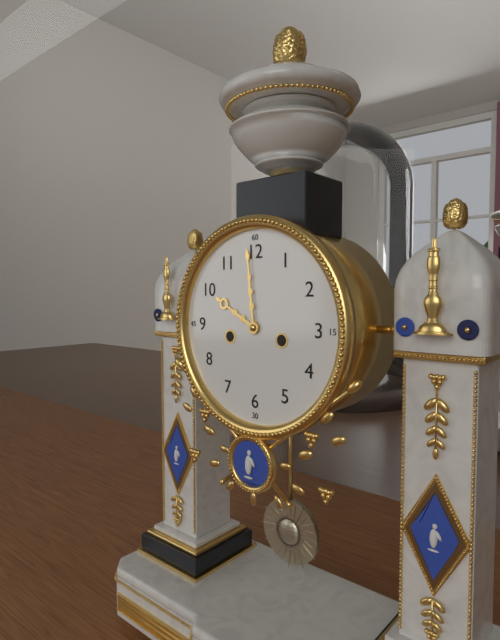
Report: 9:59
